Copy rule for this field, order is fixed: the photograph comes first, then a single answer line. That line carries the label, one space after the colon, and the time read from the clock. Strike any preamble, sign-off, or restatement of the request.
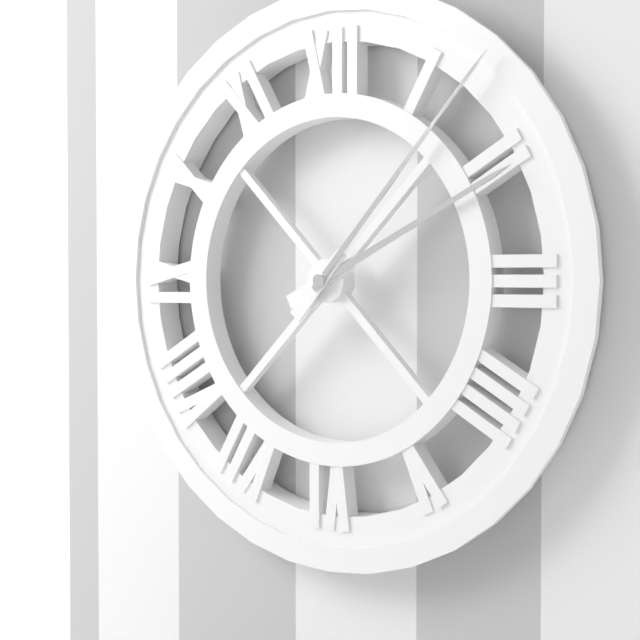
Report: 2:07
